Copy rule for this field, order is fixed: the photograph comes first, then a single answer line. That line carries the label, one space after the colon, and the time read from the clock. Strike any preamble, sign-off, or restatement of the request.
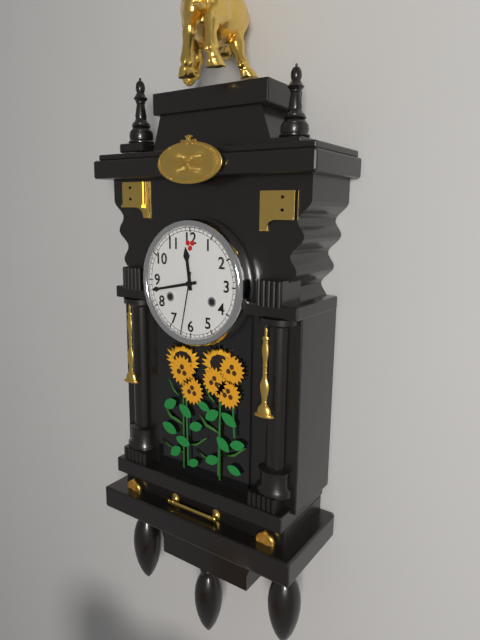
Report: 11:43:32
